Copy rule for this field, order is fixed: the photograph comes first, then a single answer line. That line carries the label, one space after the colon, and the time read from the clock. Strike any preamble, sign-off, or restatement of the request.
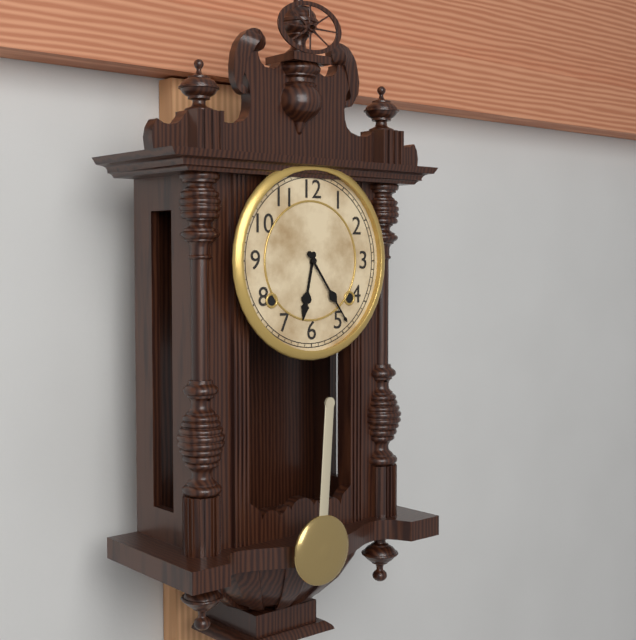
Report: 6:24
